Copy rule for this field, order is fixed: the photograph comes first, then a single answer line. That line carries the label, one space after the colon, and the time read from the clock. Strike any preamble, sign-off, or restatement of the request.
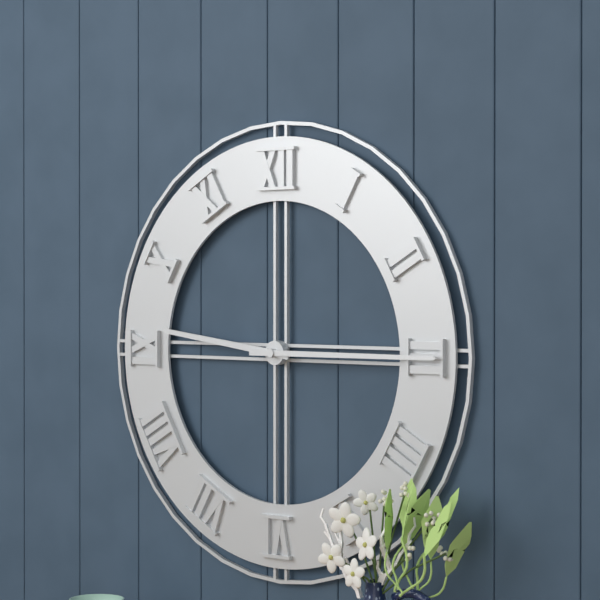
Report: 9:15
